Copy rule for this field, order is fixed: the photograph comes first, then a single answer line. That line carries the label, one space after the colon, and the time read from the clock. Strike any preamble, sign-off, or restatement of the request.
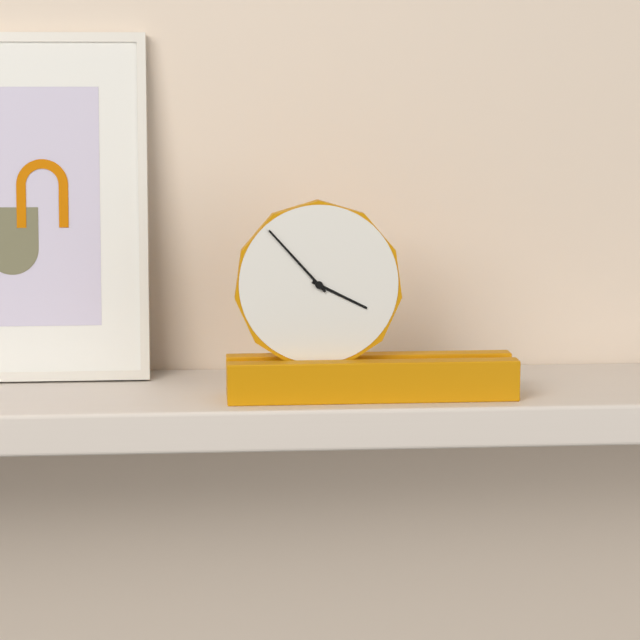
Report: 3:53
